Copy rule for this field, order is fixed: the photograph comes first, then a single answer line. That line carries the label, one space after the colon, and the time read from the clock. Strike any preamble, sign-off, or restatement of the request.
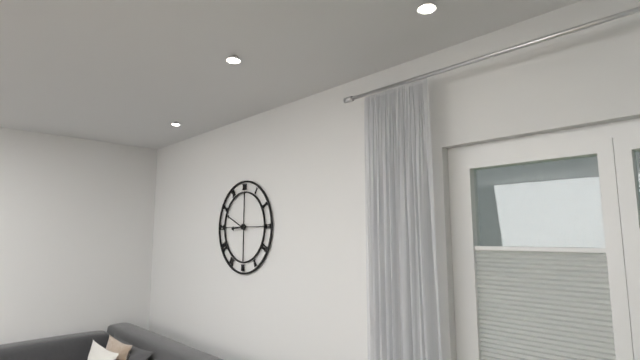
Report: 8:49
